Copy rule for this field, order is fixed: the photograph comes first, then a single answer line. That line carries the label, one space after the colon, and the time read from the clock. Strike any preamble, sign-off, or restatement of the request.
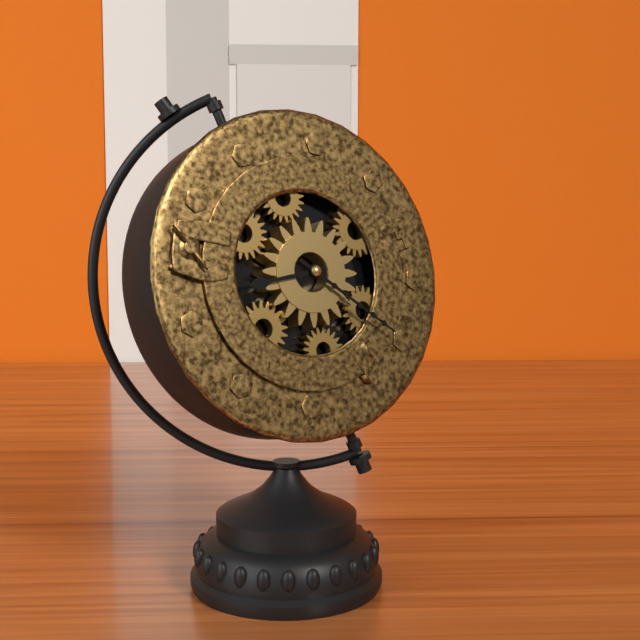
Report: 8:19
